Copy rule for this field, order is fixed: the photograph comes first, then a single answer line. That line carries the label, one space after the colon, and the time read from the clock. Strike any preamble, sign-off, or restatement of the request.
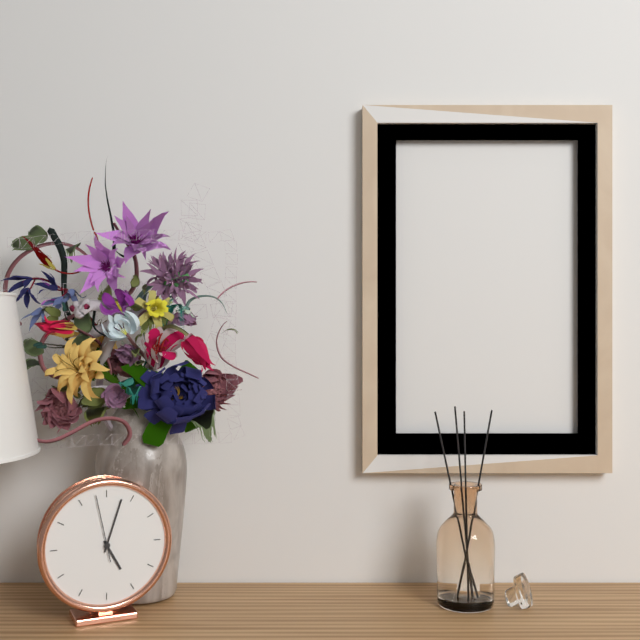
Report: 5:03:58
